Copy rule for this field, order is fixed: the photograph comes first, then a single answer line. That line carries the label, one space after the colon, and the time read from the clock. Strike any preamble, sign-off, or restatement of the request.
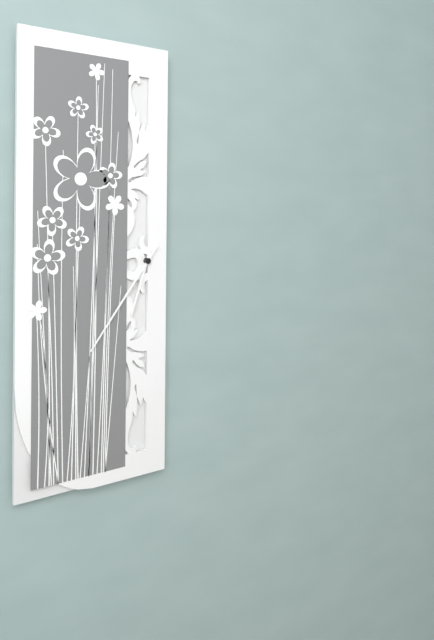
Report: 6:36
